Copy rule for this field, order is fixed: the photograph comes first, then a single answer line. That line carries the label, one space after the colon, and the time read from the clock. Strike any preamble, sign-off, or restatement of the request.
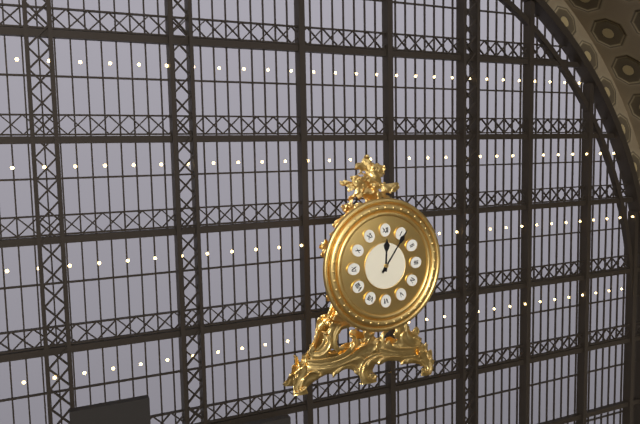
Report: 12:06
